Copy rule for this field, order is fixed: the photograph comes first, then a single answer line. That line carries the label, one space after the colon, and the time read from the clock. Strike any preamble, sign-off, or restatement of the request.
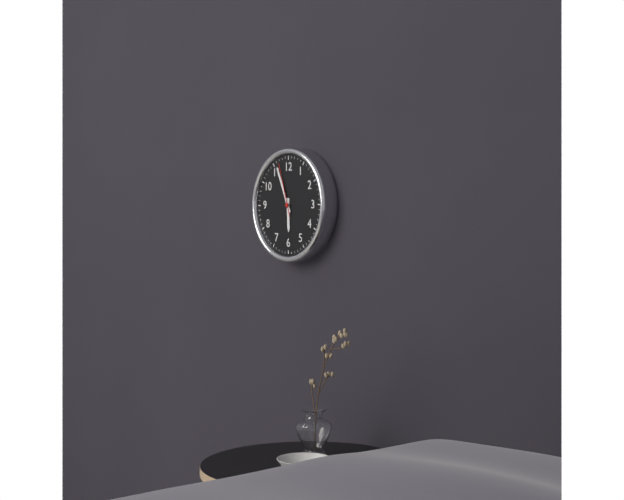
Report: 5:56:57
